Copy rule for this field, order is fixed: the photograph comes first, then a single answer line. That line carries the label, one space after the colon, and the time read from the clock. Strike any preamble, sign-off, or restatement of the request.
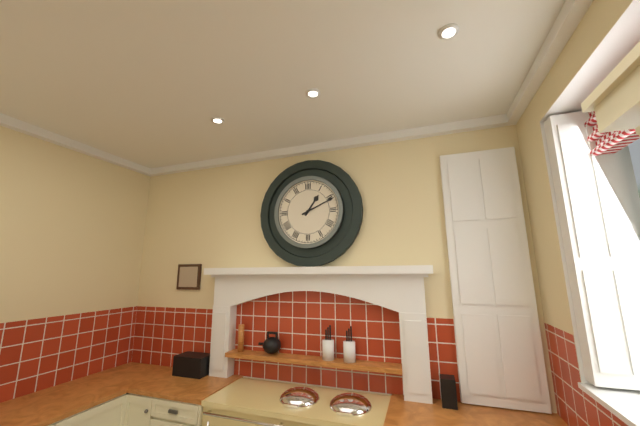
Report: 1:11
